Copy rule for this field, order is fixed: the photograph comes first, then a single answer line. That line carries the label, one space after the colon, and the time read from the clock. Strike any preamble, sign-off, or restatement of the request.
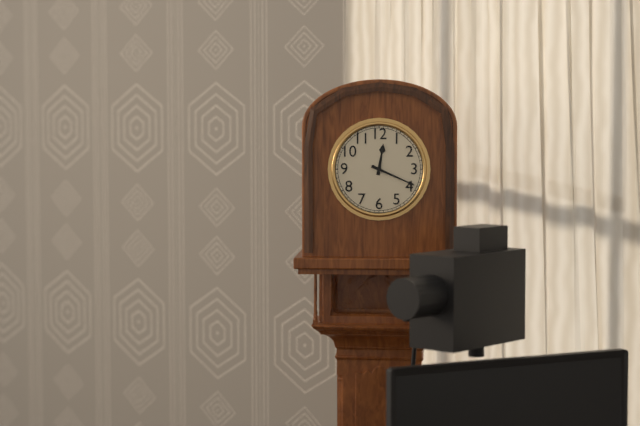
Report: 12:19
